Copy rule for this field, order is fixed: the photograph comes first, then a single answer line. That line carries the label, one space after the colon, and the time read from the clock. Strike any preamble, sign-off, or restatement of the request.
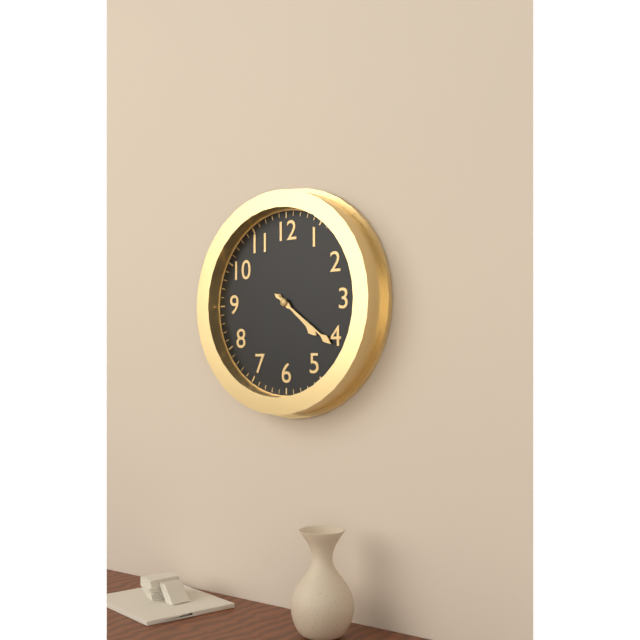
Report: 4:21
